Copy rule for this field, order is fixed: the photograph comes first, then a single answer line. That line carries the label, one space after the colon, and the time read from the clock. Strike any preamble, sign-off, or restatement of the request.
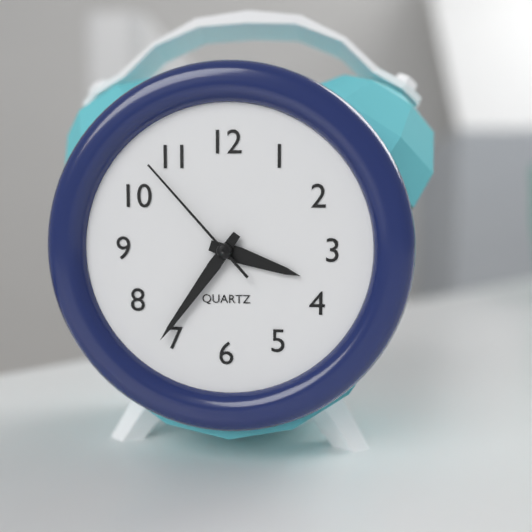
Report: 3:36:53
